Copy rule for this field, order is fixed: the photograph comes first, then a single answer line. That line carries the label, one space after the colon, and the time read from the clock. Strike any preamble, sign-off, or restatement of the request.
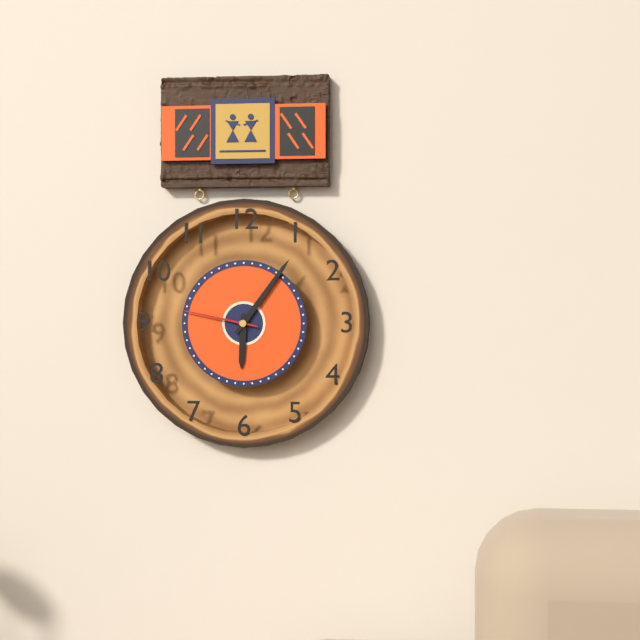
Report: 6:06:47
